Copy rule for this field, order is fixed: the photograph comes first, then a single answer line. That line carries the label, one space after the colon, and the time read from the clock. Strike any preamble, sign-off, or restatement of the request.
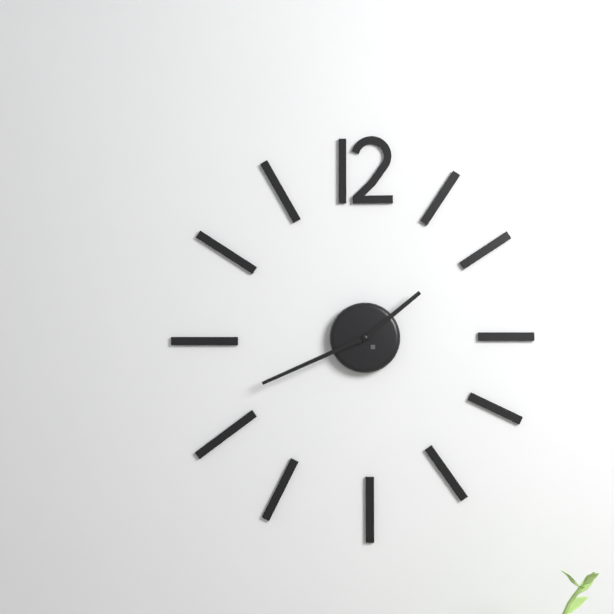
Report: 1:41
